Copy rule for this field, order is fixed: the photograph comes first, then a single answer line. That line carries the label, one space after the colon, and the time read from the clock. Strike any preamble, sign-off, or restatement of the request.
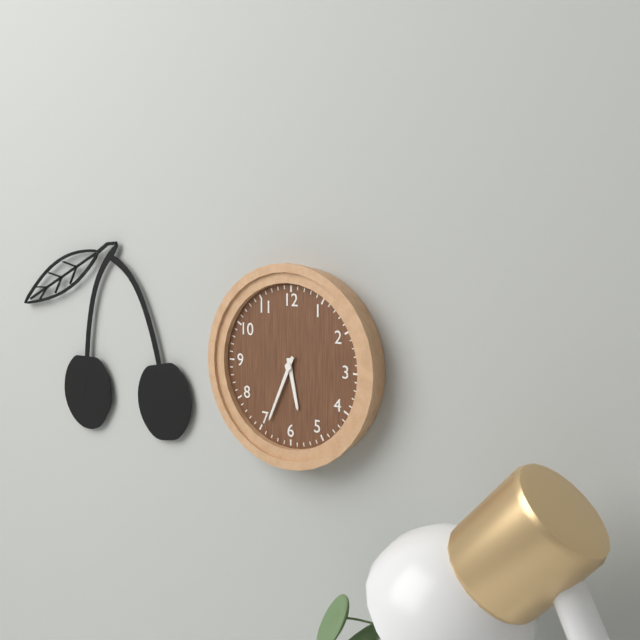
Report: 5:34
